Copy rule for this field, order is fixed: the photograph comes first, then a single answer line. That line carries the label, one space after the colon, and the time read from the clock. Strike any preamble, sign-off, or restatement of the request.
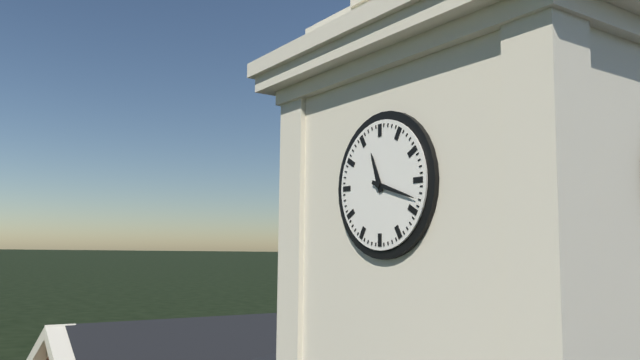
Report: 11:18
